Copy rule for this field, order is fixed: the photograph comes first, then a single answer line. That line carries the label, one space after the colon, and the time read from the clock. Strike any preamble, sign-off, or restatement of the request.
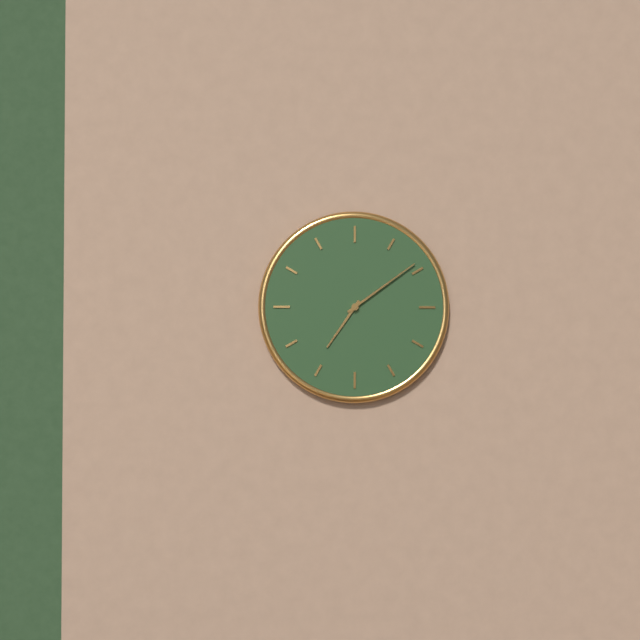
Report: 7:09
